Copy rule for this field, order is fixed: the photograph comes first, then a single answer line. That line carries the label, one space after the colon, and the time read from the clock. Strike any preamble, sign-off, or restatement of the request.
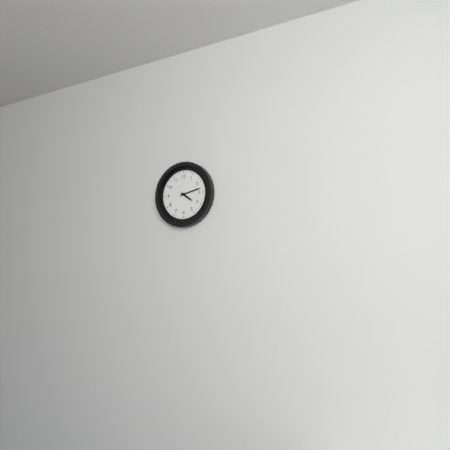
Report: 4:13
